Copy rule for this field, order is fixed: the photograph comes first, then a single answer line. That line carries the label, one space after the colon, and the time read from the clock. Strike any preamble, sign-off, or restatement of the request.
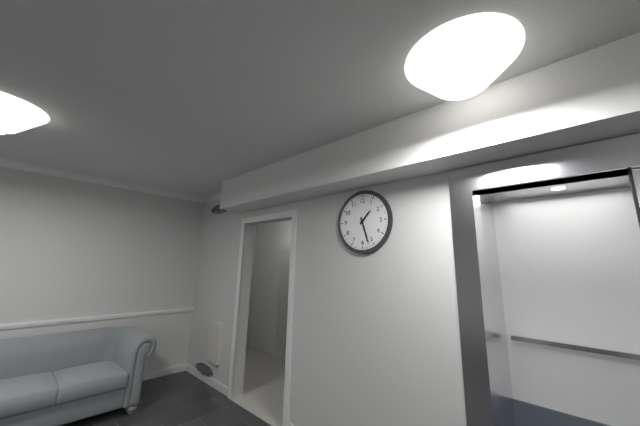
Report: 1:27
